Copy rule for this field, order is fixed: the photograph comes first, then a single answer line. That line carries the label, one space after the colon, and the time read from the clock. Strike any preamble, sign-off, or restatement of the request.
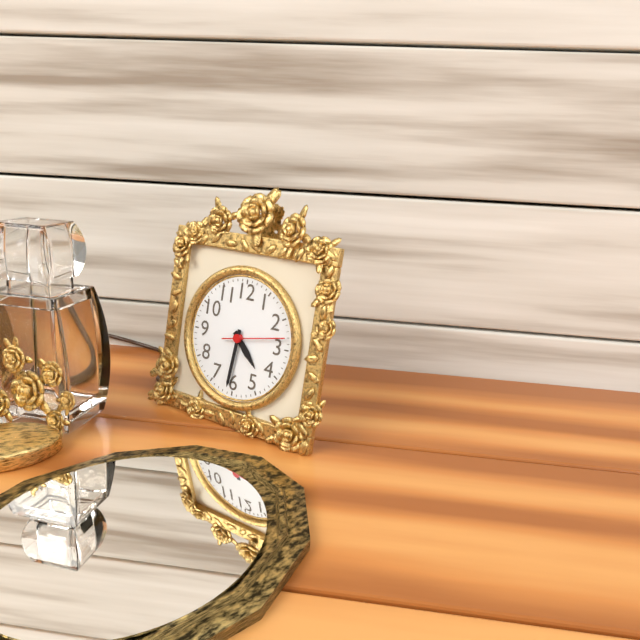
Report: 4:31:13
